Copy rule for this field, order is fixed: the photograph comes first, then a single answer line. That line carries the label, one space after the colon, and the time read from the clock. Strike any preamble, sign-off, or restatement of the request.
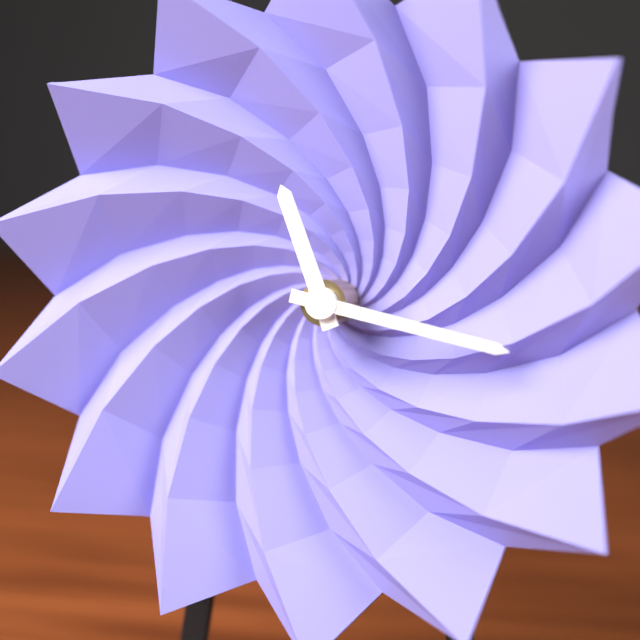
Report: 11:17
